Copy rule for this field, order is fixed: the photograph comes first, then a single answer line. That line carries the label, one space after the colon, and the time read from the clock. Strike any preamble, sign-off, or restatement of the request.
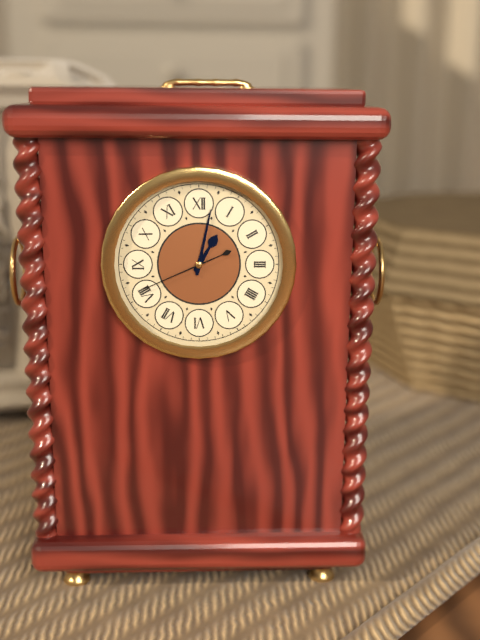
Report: 1:02:41
